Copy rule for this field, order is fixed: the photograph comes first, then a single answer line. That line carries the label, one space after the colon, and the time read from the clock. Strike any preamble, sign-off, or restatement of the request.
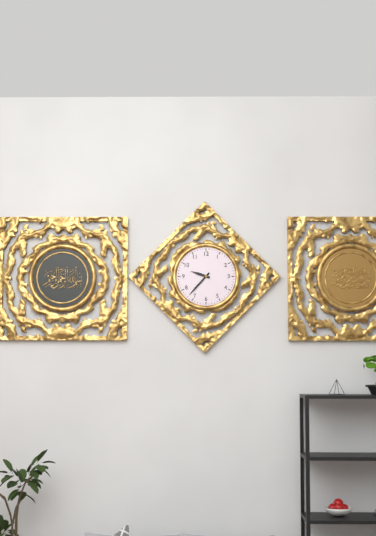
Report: 9:37
